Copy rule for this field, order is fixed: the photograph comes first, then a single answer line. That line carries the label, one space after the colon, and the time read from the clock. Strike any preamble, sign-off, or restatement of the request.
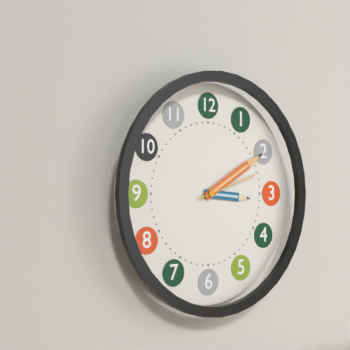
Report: 3:10:12
